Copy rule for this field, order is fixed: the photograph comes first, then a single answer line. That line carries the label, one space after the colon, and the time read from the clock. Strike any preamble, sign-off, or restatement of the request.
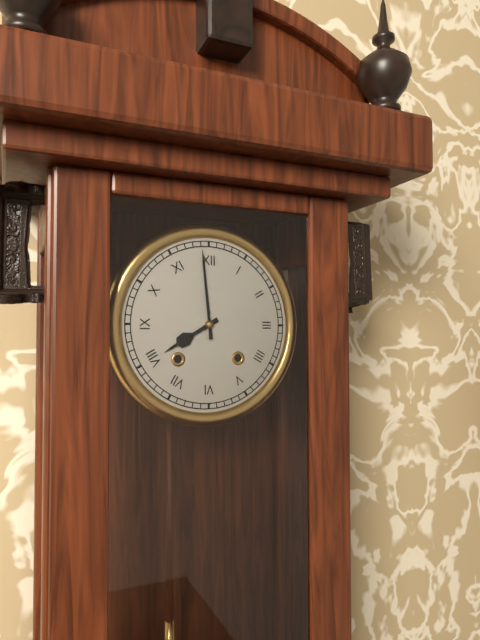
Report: 7:59
